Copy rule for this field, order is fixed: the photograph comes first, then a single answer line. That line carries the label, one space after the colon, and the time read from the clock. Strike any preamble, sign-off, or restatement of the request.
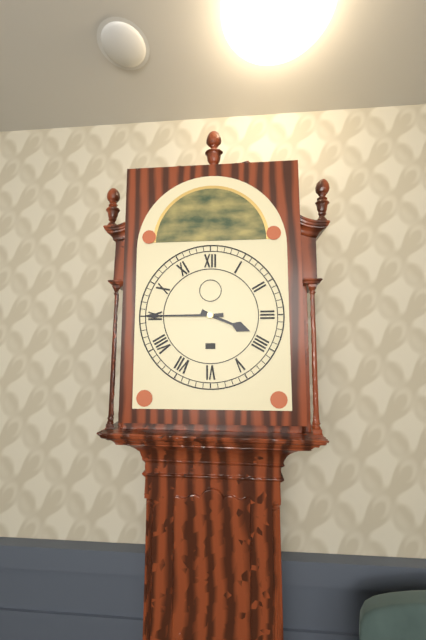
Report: 3:45
